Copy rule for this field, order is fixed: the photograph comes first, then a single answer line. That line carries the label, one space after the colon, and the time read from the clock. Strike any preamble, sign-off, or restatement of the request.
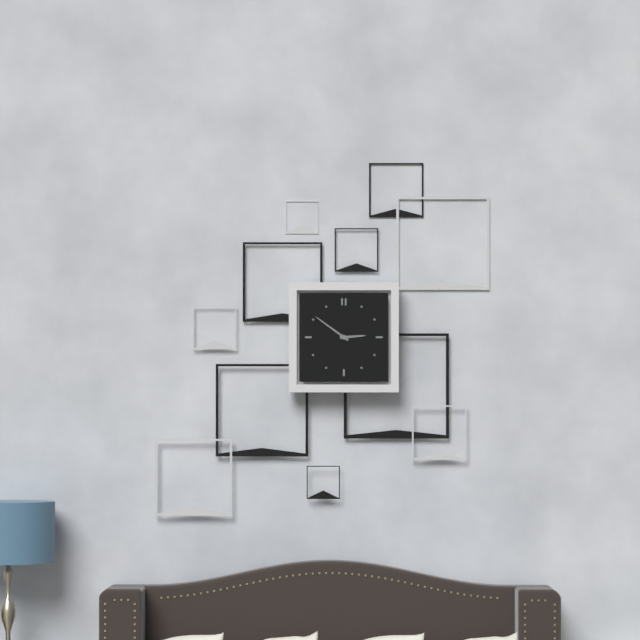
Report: 2:51
